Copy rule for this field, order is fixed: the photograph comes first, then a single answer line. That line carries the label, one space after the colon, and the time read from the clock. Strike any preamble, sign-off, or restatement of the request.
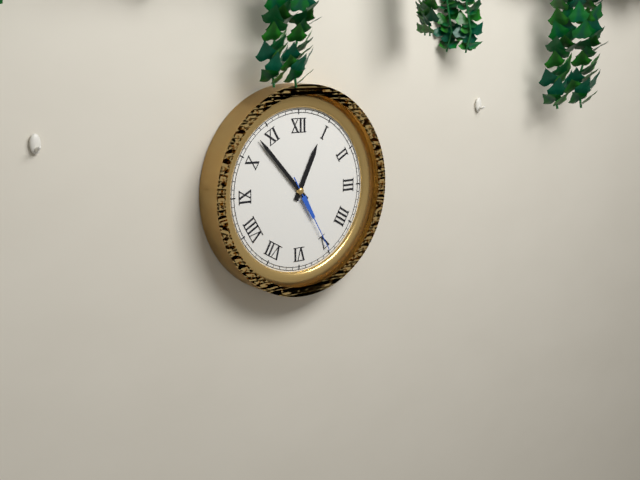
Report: 12:53:25
